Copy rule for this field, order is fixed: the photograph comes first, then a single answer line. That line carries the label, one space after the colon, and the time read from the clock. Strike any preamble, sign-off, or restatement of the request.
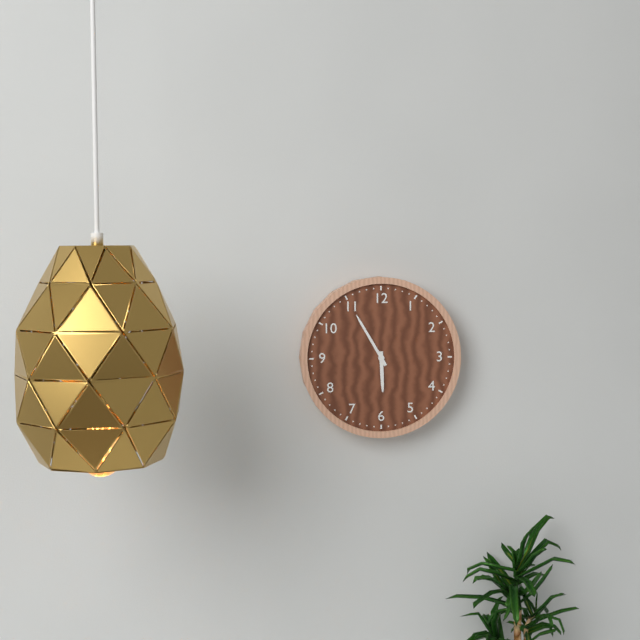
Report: 5:55
